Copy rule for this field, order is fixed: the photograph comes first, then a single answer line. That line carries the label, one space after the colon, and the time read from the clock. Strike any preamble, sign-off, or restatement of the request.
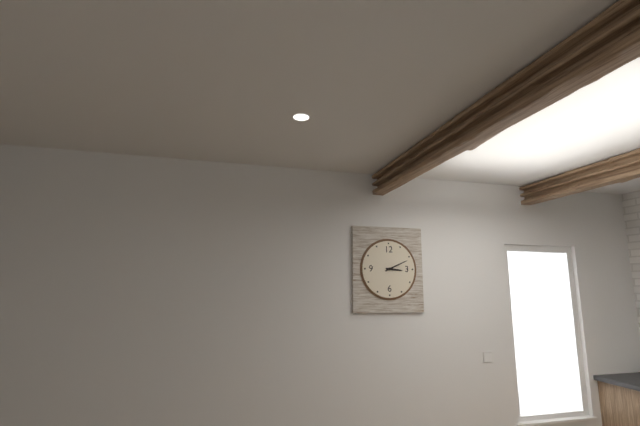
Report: 3:11
